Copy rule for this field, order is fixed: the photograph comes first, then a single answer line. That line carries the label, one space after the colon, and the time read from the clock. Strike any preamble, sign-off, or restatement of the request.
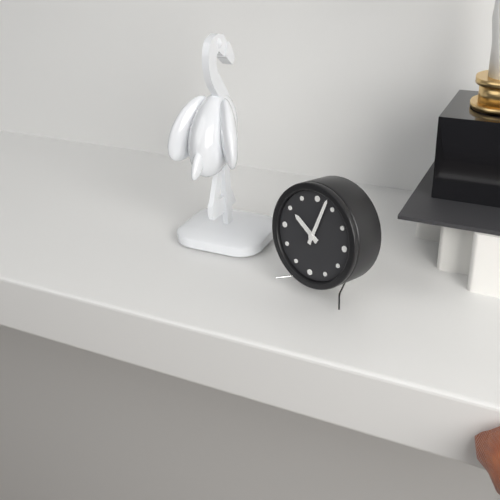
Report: 10:03
